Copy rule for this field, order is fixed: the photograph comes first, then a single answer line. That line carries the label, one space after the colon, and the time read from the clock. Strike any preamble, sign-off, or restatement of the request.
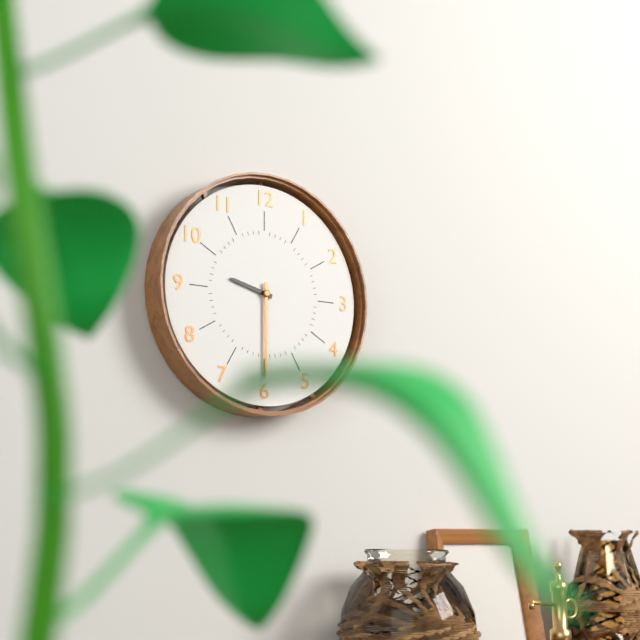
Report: 9:30
